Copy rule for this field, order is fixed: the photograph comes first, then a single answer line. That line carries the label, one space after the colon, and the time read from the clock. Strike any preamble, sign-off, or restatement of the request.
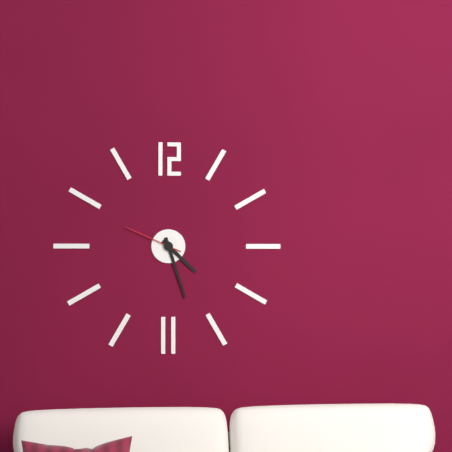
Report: 4:27:49
